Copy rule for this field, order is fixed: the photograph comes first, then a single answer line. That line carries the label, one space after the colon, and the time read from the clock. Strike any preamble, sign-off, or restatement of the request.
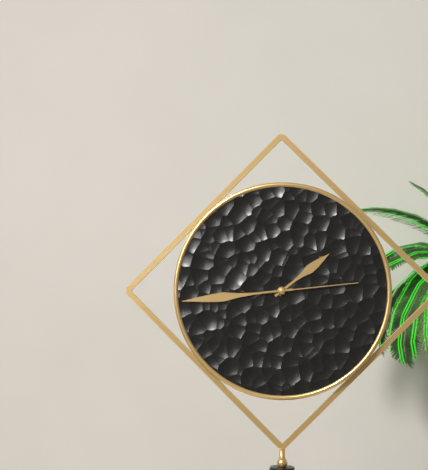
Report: 1:44:14
